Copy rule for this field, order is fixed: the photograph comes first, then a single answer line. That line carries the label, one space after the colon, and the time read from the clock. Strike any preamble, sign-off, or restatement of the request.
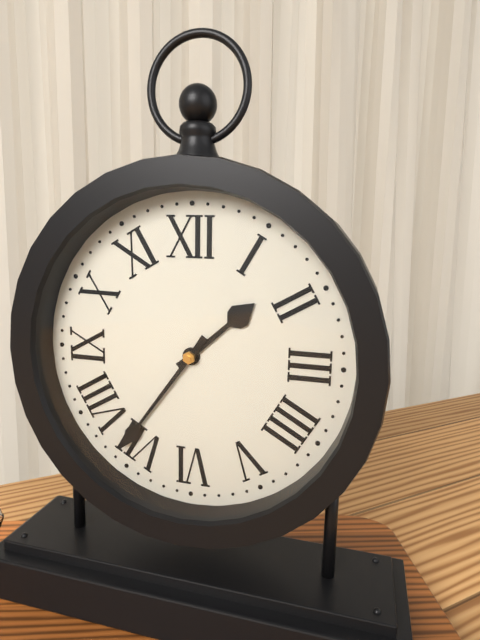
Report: 1:36
